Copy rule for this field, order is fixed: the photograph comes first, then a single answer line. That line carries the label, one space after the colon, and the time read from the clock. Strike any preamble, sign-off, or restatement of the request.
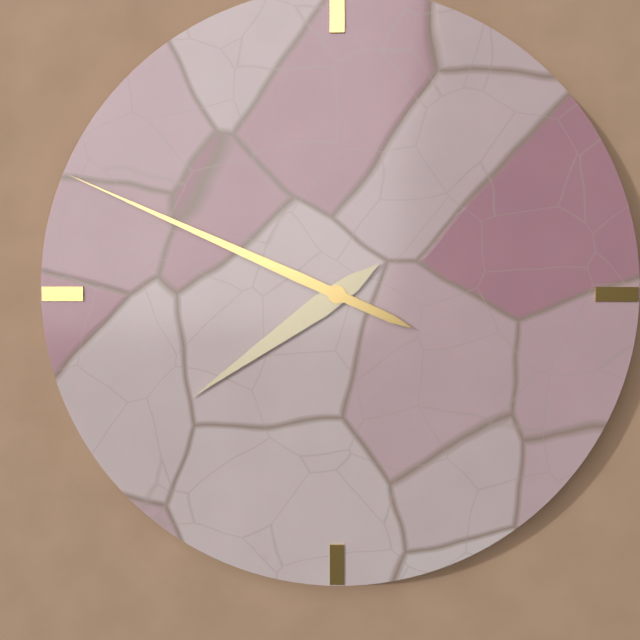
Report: 7:49
